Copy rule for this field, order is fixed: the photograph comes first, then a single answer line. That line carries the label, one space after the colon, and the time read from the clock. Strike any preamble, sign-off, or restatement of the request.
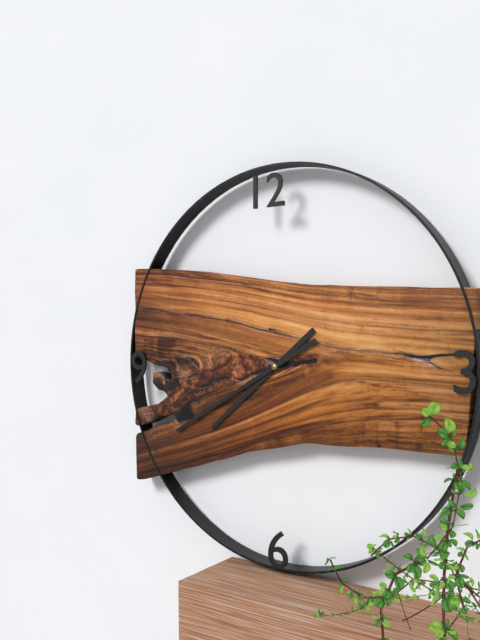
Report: 7:40
